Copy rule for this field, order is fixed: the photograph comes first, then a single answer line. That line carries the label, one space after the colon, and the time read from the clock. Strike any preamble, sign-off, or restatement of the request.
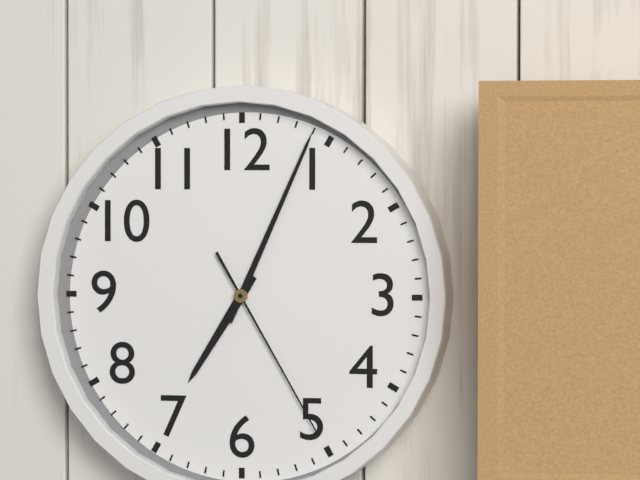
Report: 7:04:25
